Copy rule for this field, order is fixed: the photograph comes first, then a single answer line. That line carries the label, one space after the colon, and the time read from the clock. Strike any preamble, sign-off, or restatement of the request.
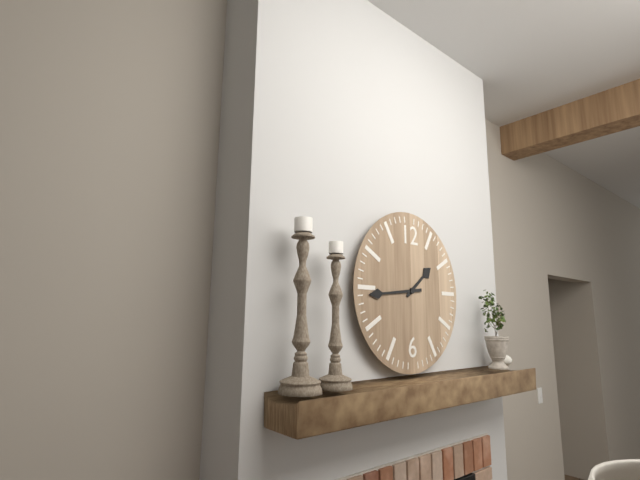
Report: 1:44
